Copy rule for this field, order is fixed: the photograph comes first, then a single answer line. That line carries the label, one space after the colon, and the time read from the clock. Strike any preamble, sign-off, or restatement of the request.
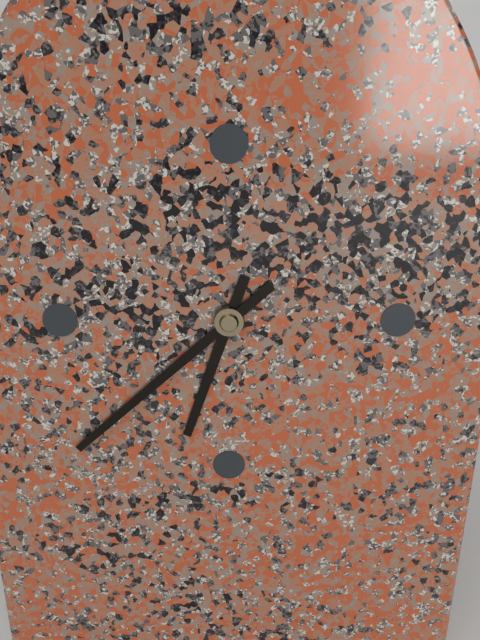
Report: 6:38
